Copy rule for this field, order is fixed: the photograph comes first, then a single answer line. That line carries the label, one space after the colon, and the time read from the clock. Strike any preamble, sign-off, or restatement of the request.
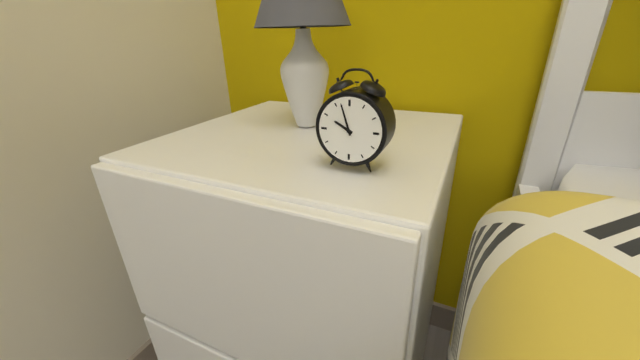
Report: 9:57
